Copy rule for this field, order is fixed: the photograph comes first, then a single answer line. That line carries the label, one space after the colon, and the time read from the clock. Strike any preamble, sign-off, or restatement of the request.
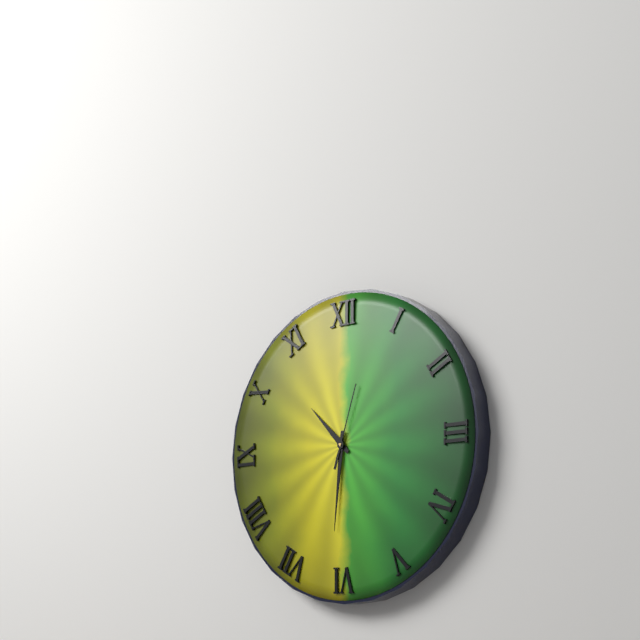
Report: 10:31:03
